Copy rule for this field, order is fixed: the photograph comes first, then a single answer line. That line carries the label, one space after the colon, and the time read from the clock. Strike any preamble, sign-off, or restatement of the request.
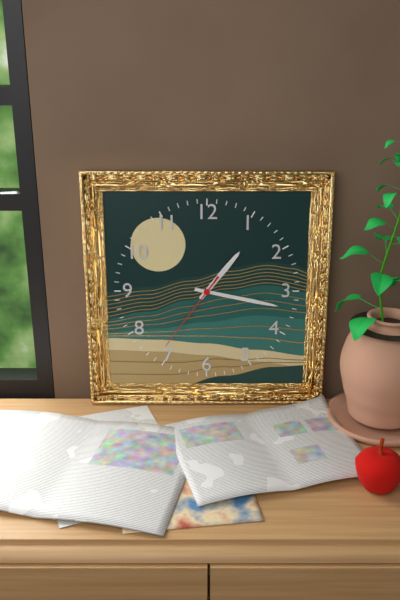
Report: 1:17:36
